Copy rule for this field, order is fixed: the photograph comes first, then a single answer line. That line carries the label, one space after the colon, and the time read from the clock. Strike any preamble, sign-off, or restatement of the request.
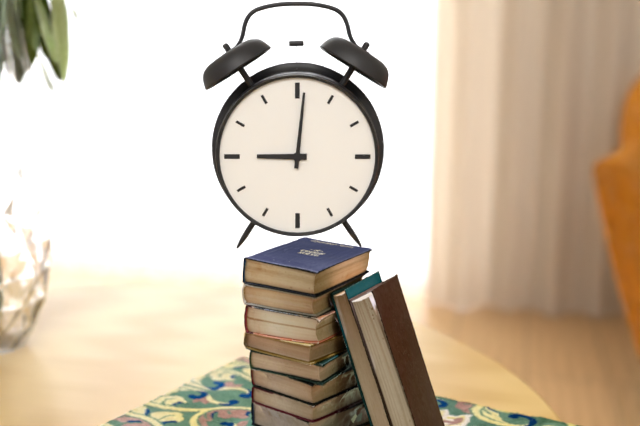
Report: 9:01
